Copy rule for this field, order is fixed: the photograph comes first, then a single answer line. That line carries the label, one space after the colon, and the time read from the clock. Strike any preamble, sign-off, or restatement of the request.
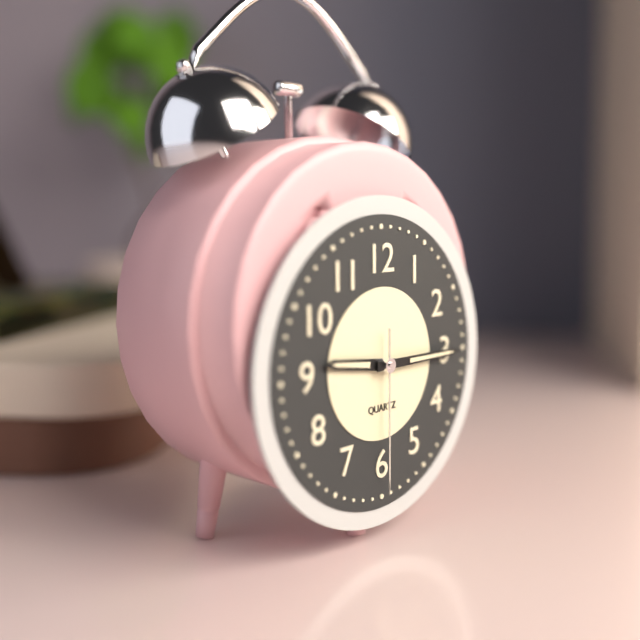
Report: 9:15:30
